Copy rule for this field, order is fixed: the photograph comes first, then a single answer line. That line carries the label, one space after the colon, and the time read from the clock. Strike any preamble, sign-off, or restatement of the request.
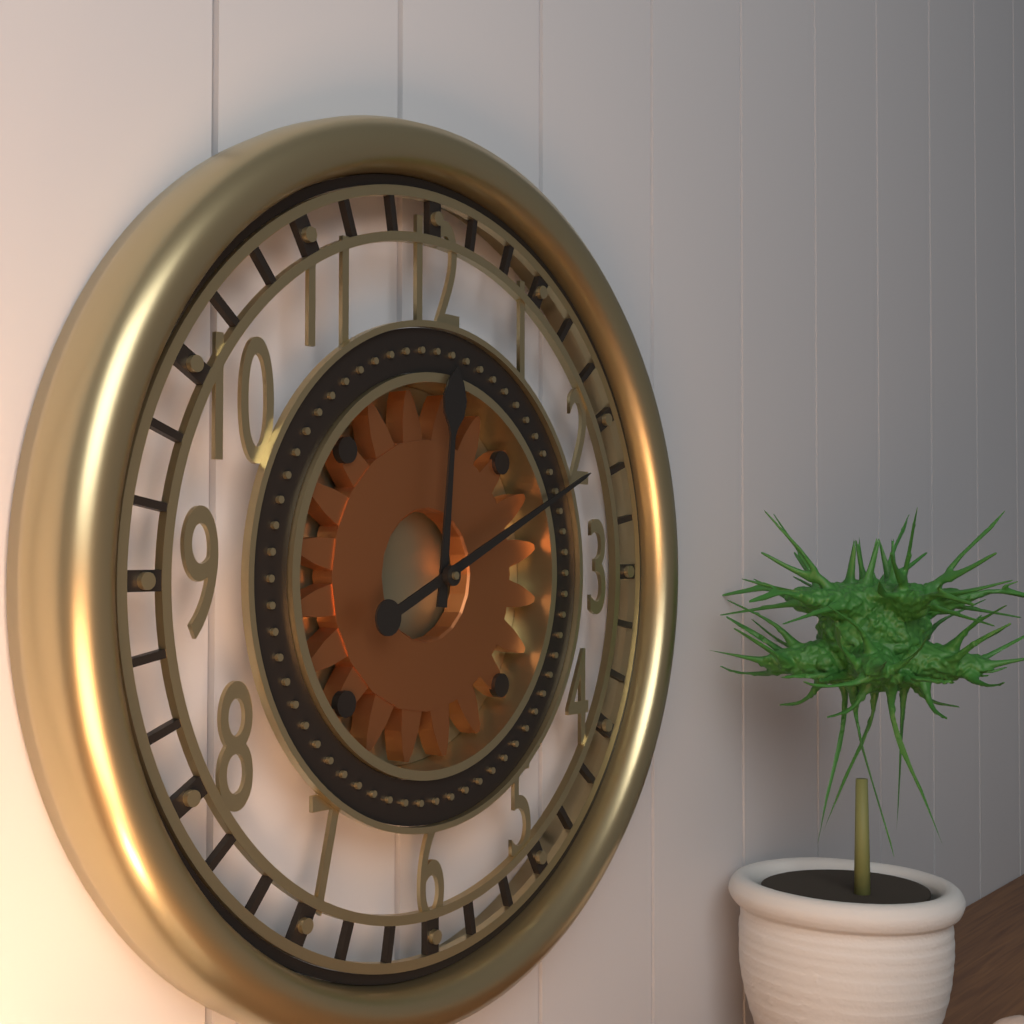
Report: 12:11
